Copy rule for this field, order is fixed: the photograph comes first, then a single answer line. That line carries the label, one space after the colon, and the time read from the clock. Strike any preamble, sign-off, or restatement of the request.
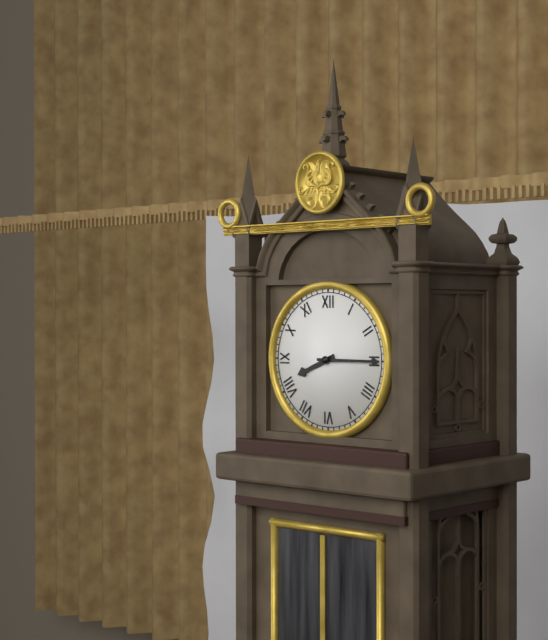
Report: 8:15
